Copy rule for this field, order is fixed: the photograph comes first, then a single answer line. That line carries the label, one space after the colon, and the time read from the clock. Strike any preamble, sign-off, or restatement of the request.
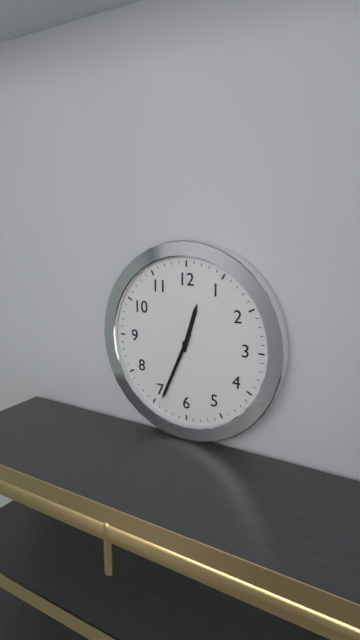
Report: 12:34
